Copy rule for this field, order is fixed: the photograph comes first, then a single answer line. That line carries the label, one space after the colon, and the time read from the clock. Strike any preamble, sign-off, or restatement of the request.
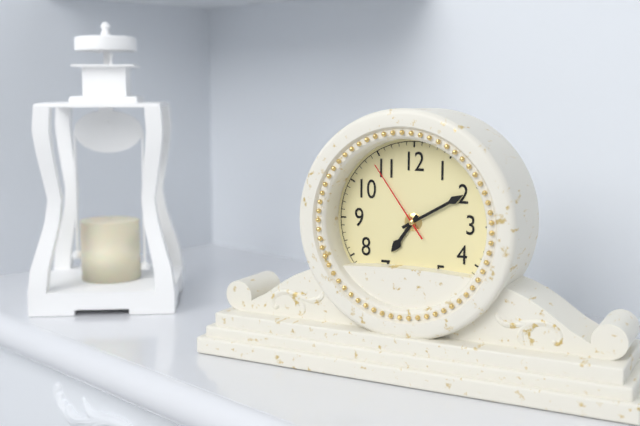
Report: 7:10:54
